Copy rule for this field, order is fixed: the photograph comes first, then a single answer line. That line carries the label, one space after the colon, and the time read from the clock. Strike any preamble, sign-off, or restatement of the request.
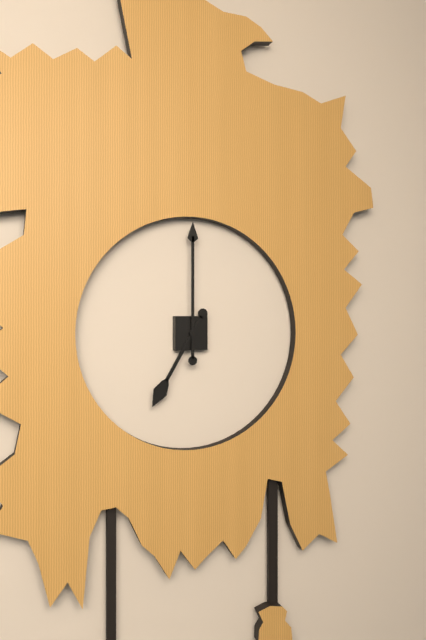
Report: 7:00
